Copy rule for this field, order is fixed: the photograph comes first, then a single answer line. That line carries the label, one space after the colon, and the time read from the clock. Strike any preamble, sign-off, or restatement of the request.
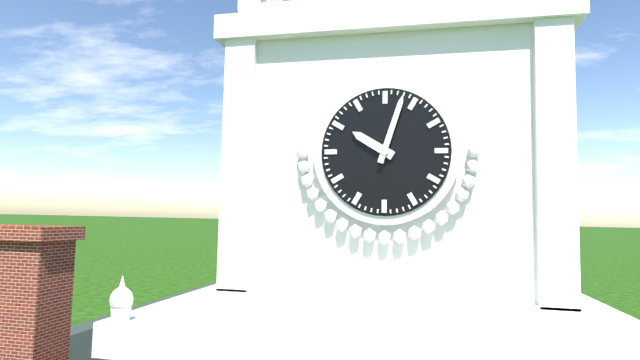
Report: 10:03
